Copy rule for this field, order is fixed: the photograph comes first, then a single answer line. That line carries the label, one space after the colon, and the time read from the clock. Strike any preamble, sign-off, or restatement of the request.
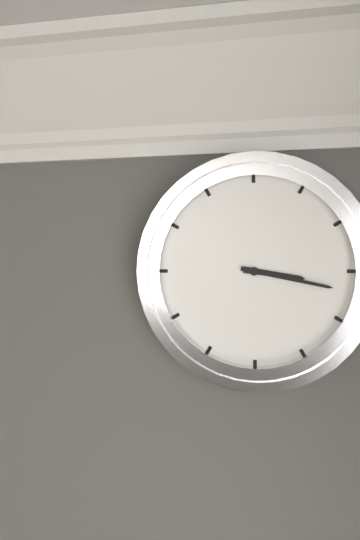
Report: 3:17
